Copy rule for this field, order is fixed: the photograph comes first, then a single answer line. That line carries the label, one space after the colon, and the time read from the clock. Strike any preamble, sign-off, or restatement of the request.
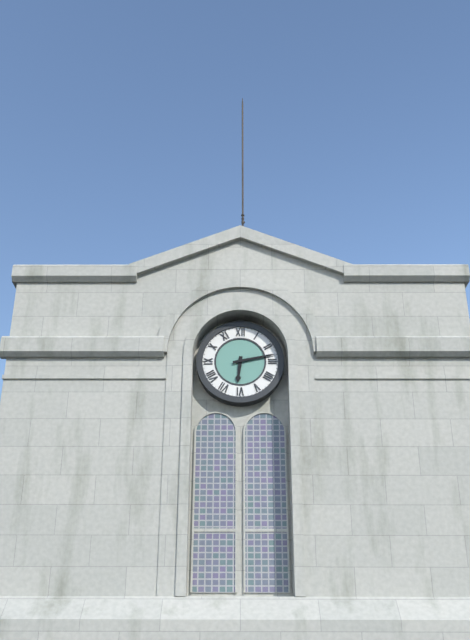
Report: 6:13
